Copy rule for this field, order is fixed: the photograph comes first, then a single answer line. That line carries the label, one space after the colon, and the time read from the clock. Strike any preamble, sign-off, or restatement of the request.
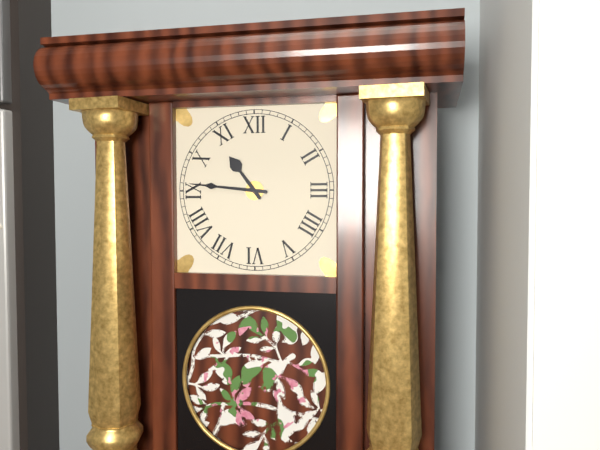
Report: 10:46
